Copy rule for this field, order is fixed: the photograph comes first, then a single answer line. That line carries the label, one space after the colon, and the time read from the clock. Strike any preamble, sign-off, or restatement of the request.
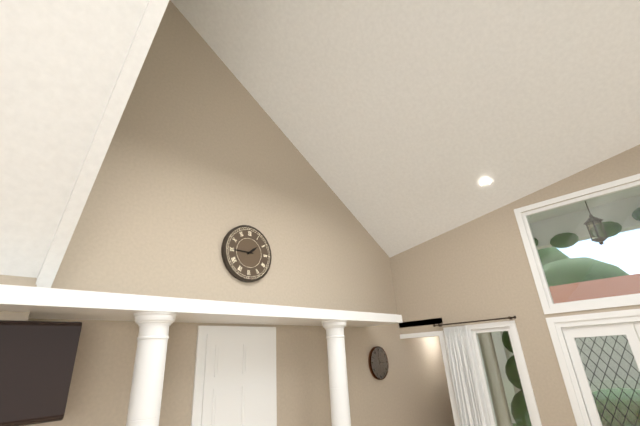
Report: 1:45
